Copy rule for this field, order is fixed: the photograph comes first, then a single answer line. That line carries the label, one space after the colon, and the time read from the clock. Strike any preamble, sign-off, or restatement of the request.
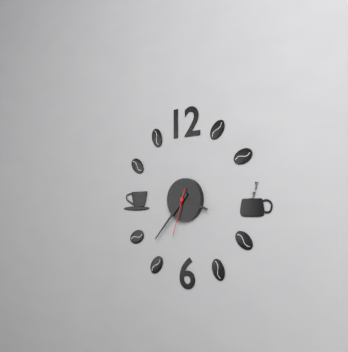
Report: 3:37
